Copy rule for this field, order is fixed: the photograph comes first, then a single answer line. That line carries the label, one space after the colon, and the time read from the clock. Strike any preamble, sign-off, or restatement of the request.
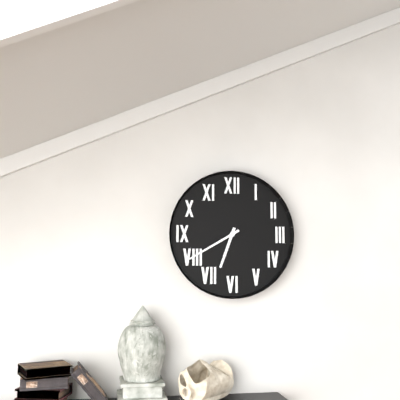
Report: 6:40
